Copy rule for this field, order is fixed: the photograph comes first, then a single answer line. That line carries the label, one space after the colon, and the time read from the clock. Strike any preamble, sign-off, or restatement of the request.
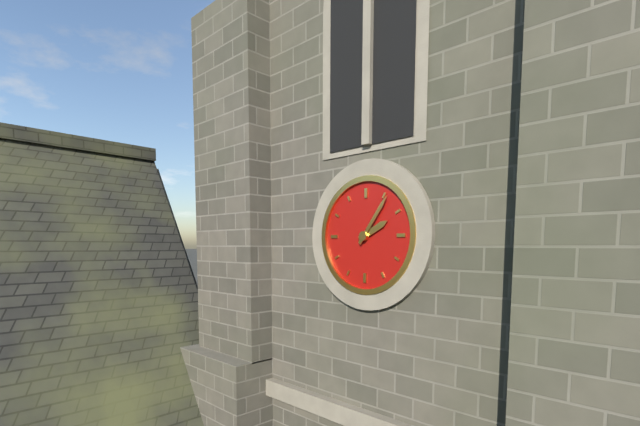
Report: 2:06
